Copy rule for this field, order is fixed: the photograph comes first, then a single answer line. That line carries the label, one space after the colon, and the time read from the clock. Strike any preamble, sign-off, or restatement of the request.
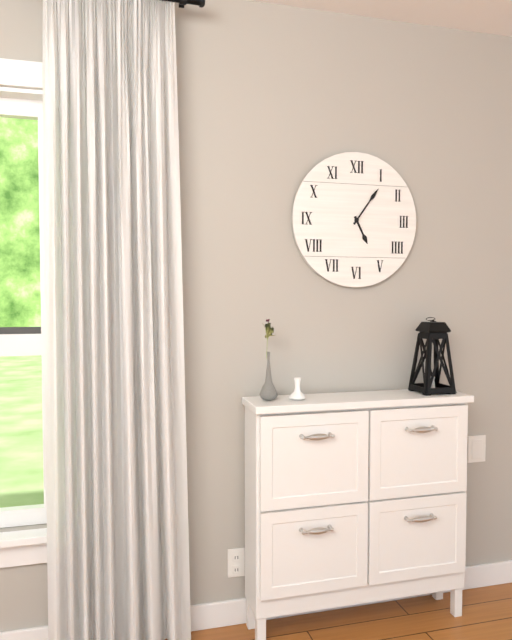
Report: 5:06
